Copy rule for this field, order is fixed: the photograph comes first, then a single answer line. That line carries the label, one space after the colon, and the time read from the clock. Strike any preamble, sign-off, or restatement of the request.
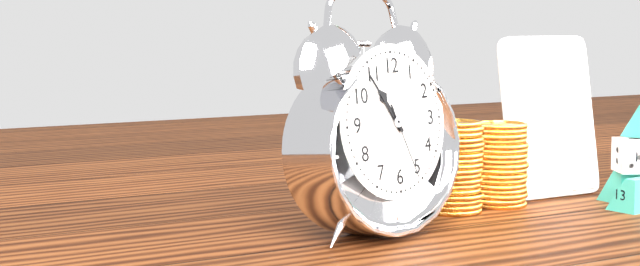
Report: 10:54:26
